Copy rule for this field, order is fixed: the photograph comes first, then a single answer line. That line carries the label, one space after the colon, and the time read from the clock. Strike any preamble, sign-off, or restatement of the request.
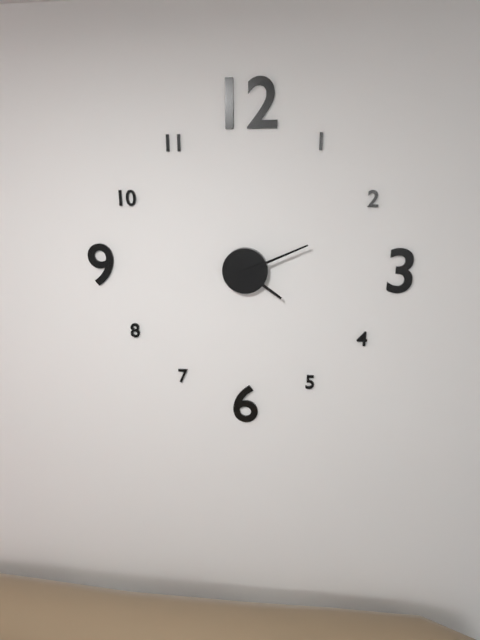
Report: 4:11
